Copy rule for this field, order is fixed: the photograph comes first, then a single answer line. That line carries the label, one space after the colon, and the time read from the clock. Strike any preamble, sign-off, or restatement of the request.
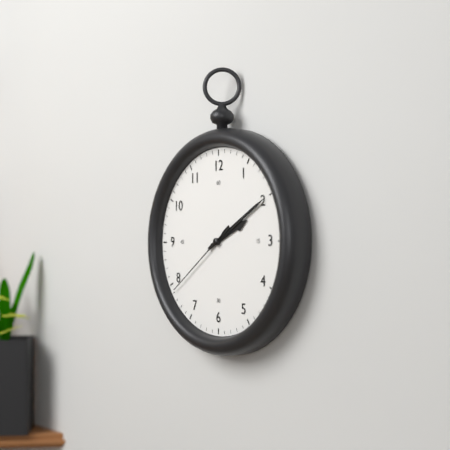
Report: 2:10:39
